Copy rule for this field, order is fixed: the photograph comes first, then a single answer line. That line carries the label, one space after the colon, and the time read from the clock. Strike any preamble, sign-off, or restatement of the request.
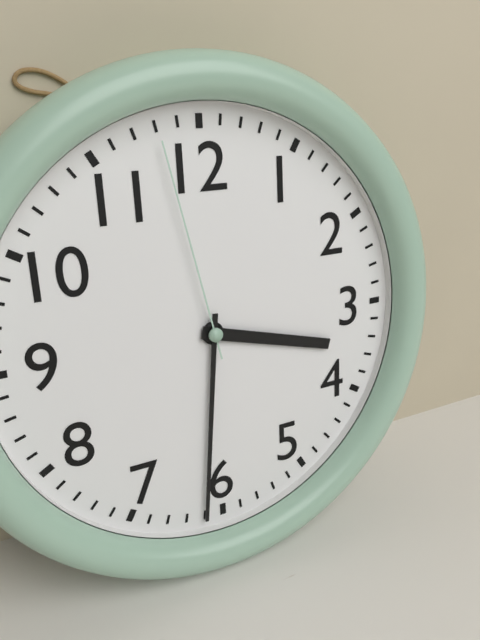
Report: 3:31:58
